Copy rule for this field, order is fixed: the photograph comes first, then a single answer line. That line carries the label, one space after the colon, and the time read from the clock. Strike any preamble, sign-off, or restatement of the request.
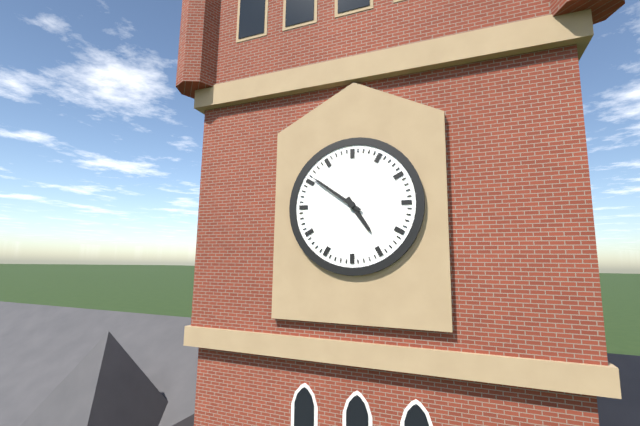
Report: 4:51
